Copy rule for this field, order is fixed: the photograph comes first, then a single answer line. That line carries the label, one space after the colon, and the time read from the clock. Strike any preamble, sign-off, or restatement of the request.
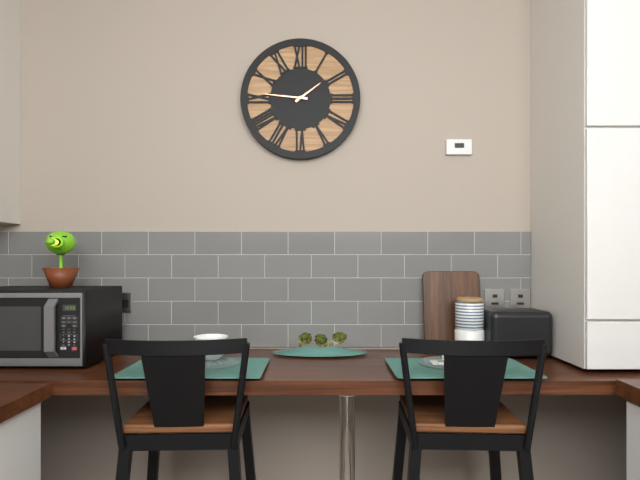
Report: 1:46
